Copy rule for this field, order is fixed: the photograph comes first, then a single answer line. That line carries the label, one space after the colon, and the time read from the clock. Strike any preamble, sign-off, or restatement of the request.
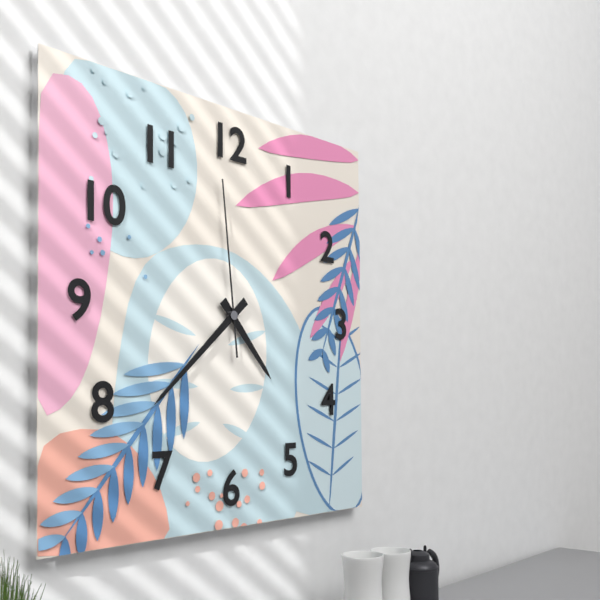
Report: 4:38:59
